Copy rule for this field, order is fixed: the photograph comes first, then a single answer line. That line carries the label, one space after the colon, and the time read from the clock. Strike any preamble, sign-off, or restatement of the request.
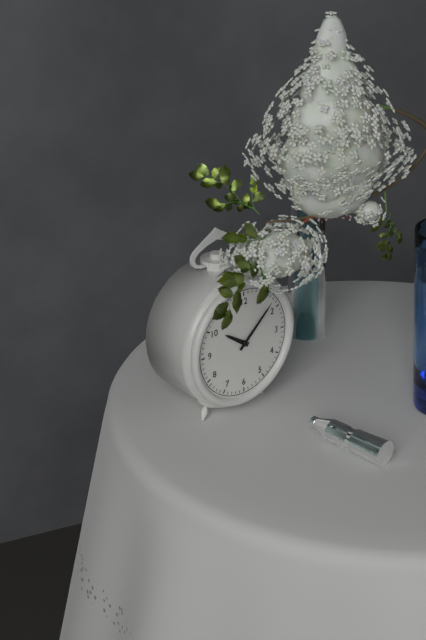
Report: 10:08
